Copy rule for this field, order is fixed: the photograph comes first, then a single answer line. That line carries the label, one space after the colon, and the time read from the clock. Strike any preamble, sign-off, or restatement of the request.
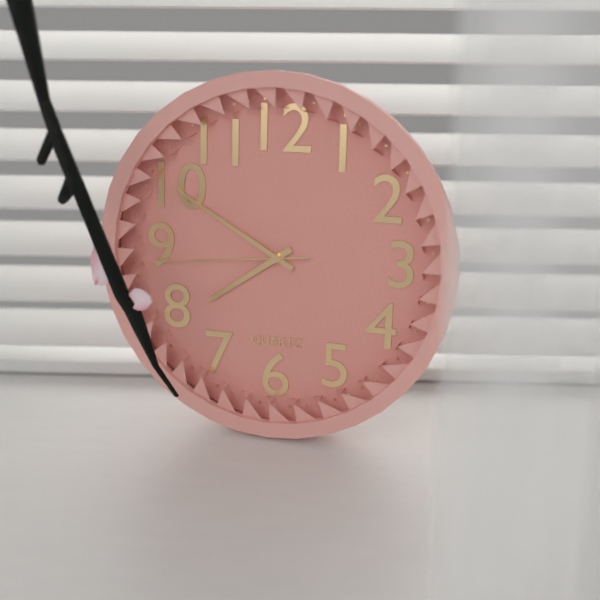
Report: 7:50:44
